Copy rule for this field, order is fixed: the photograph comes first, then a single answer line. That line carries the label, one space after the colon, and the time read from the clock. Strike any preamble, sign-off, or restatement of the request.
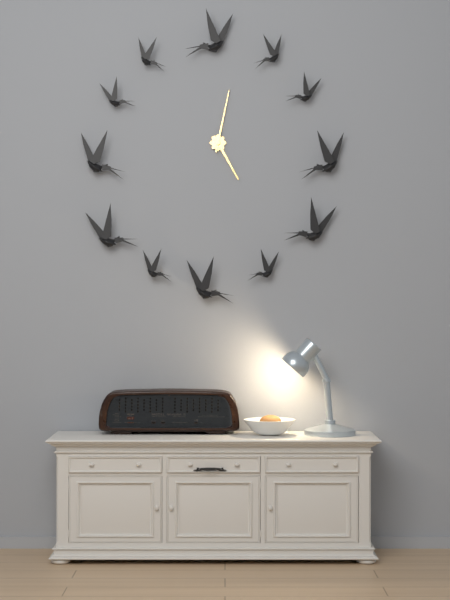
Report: 5:02
